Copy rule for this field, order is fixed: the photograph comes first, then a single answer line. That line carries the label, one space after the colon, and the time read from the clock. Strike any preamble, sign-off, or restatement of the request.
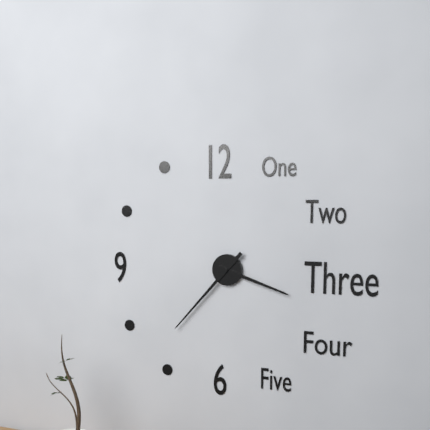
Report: 3:37
